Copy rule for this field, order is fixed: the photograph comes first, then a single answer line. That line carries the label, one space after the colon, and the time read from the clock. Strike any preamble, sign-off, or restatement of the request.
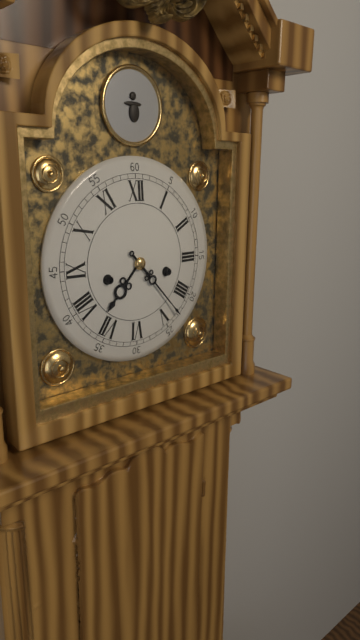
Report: 7:23
